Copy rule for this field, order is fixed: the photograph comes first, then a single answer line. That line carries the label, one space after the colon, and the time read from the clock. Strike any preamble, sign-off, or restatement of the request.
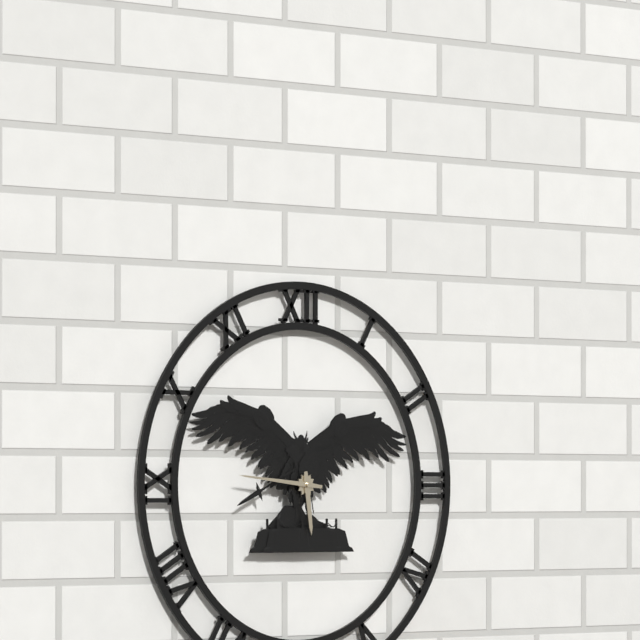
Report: 5:46
